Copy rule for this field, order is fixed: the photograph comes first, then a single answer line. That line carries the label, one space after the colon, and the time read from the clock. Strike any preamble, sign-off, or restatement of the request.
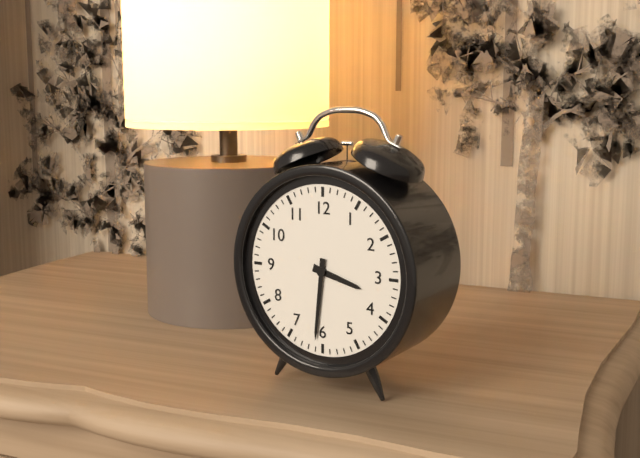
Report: 3:31
